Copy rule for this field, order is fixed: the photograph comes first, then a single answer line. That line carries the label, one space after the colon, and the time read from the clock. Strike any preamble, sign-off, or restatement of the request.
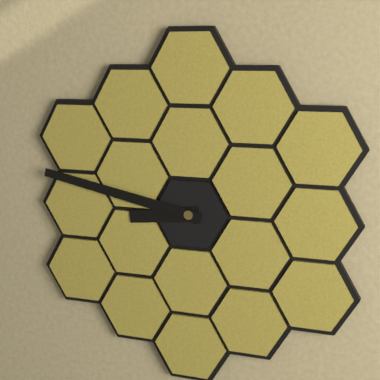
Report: 8:47
